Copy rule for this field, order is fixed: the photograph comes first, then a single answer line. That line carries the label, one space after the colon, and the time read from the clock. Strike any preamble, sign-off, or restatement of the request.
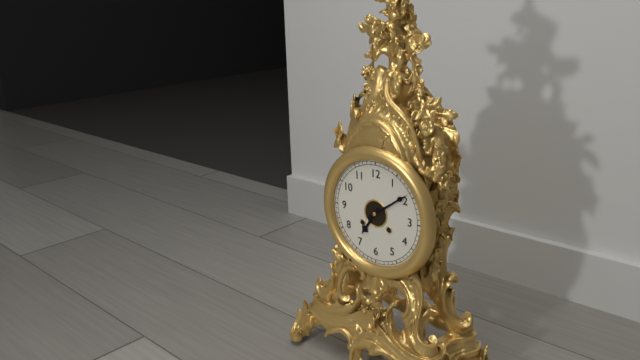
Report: 7:09
